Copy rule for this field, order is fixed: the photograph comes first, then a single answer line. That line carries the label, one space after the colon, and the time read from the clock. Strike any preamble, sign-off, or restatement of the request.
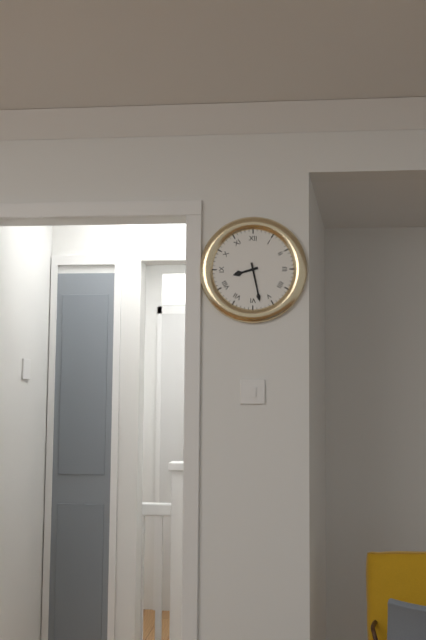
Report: 8:28
